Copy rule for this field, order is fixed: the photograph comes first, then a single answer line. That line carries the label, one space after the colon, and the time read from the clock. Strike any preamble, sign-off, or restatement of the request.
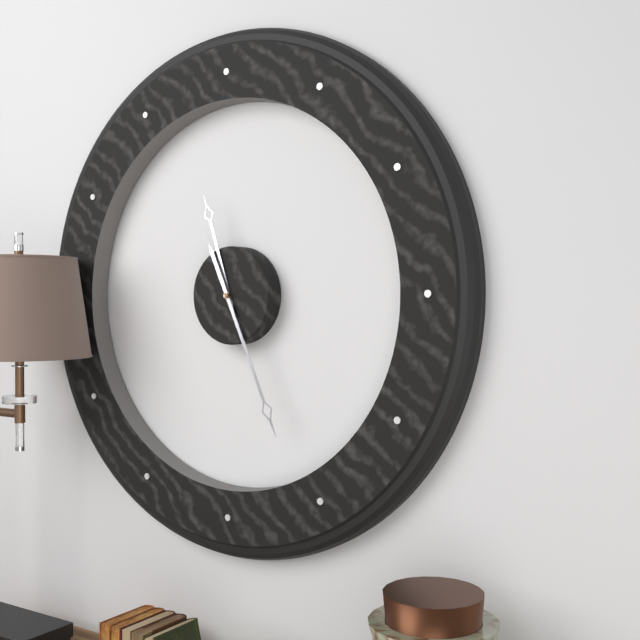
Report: 11:26
